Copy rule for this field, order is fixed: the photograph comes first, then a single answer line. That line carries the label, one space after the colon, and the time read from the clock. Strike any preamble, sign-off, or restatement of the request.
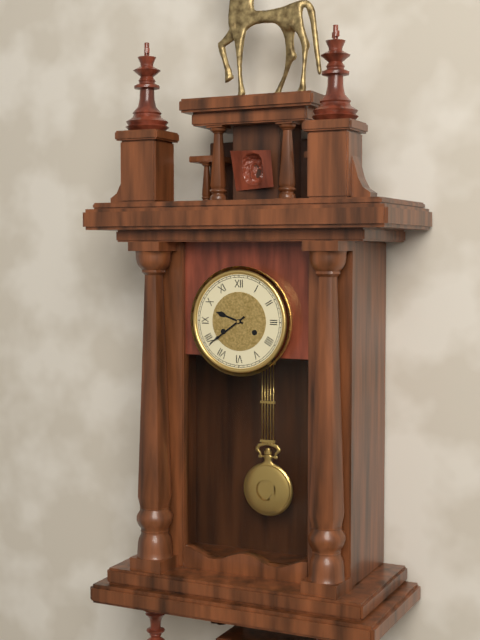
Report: 9:39
